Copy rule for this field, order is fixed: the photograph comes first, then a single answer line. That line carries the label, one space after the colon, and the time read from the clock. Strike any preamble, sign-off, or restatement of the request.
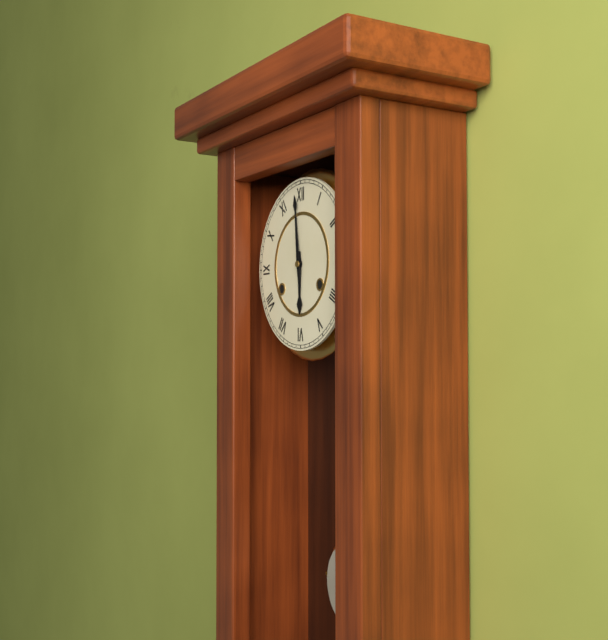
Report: 5:59
